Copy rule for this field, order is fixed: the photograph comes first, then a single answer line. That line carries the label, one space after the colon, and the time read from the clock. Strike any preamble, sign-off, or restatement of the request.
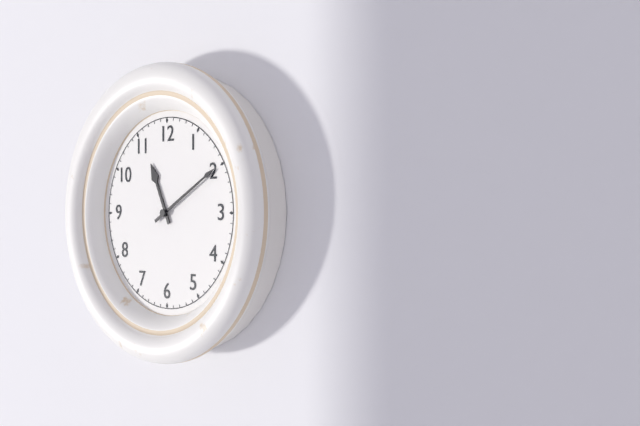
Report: 11:10
